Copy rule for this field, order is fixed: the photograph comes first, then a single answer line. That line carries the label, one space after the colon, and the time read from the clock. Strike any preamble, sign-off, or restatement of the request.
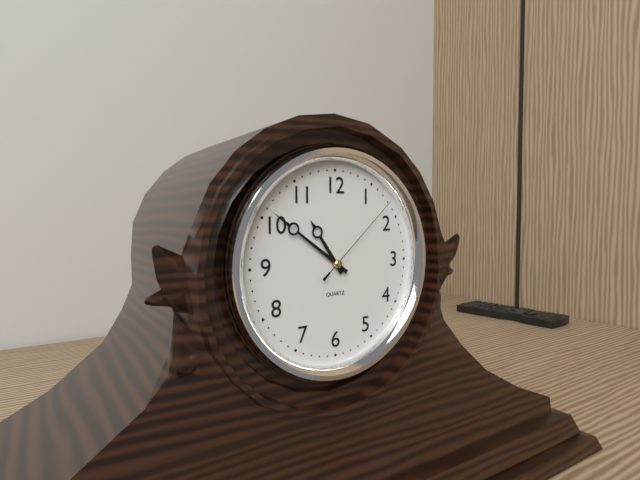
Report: 10:51:08
